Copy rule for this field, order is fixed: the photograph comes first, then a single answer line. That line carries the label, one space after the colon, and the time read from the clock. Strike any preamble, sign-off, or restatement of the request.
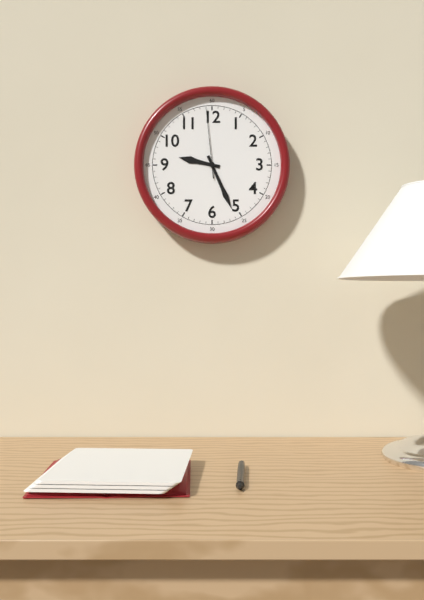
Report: 9:26:59
